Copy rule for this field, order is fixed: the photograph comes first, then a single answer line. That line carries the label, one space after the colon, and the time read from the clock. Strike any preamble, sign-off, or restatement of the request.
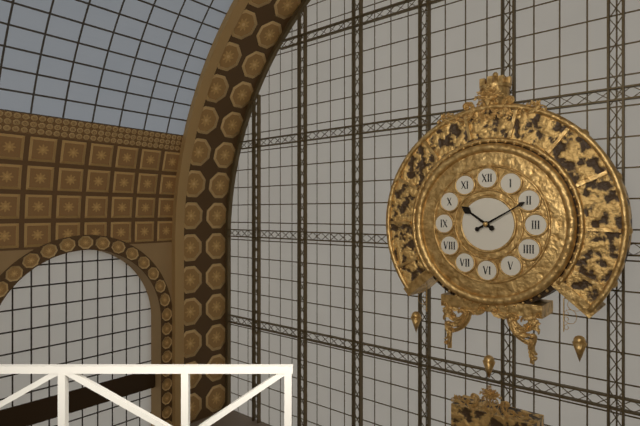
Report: 10:10
